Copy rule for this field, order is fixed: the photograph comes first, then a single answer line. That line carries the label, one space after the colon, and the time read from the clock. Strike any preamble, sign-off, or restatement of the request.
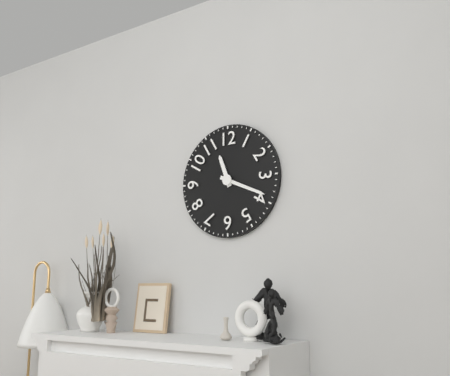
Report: 11:19
